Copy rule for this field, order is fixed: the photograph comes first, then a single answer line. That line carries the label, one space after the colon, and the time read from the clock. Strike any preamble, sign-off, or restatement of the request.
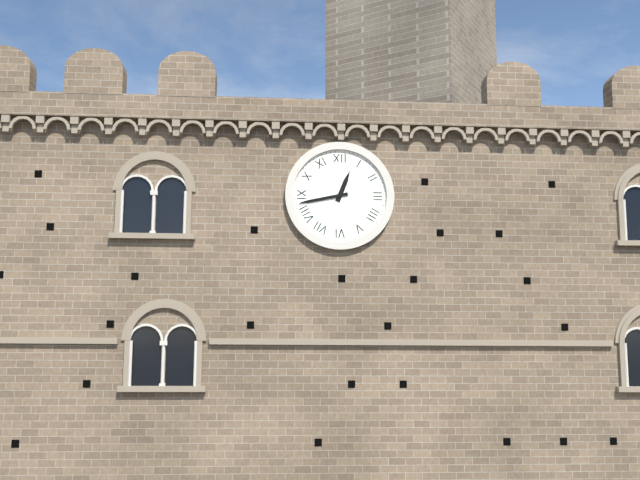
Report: 12:43
